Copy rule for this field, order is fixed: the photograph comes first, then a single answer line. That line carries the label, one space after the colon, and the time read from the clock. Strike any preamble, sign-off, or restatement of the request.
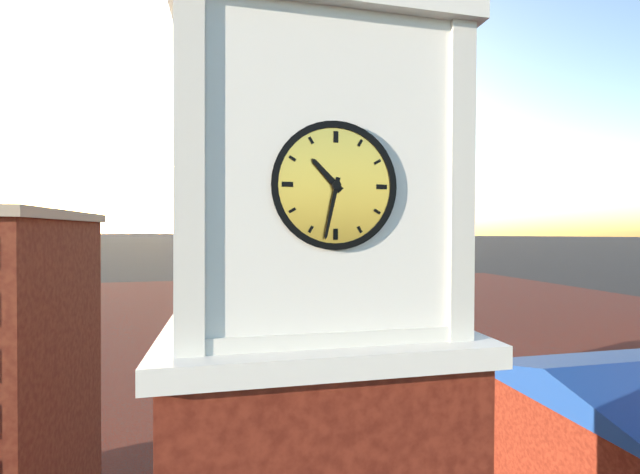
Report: 10:32
